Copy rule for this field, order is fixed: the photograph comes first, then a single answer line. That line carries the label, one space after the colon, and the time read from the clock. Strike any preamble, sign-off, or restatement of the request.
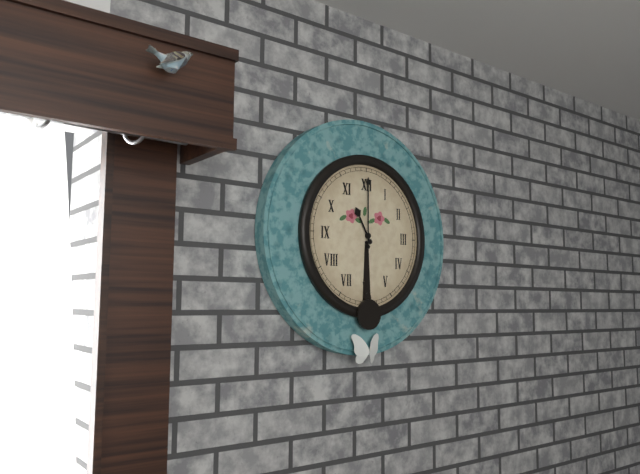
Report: 11:00
